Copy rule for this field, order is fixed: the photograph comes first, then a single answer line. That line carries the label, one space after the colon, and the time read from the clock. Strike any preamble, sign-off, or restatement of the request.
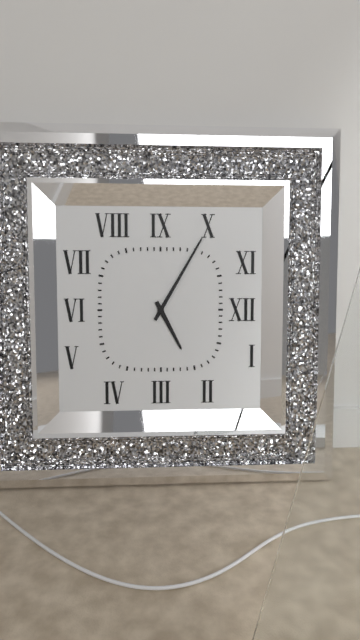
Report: 5:05
